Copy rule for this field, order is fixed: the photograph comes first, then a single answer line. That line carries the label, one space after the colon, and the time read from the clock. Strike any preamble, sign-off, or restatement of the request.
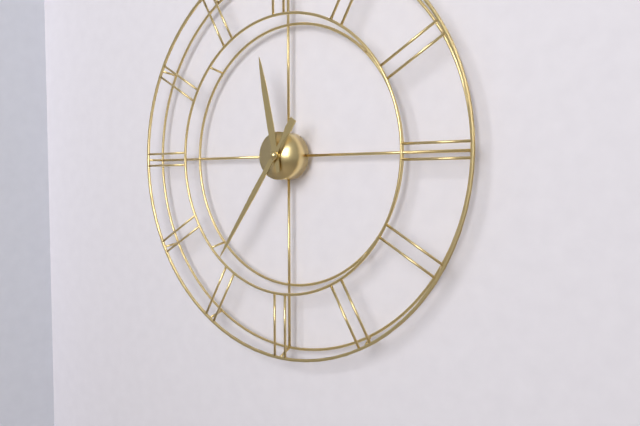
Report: 11:36
